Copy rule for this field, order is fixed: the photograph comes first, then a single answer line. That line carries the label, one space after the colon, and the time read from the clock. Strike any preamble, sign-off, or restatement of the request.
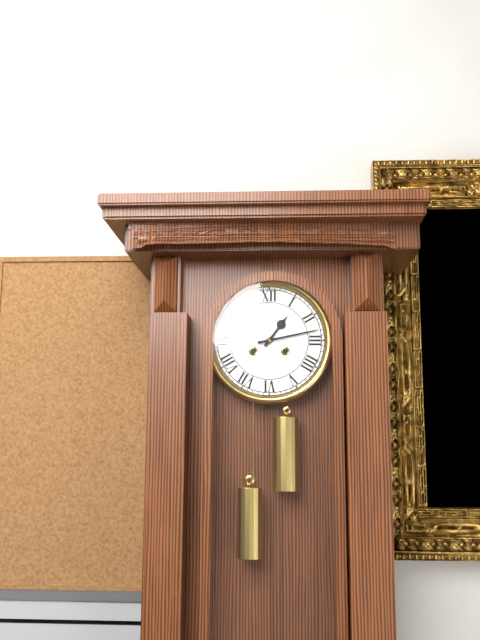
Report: 1:13
